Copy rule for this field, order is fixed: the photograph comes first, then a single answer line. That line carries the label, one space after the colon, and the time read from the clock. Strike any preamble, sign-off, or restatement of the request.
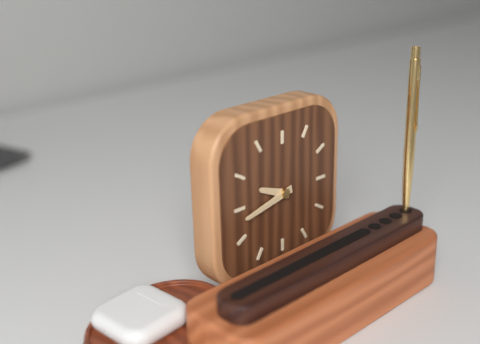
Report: 9:43
